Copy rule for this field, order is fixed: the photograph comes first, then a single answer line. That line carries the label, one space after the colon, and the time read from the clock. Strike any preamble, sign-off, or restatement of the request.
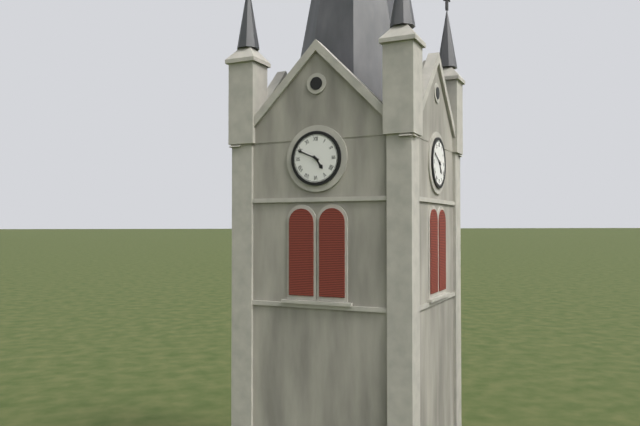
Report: 4:49
